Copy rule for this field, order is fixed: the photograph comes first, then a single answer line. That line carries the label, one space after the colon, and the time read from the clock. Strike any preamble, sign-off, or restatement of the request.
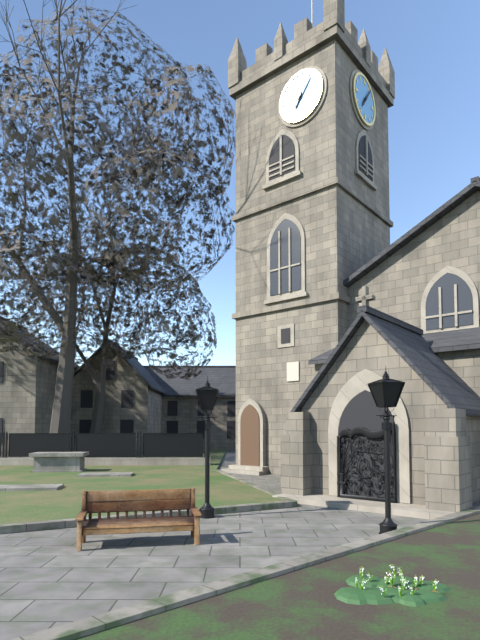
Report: 7:06
